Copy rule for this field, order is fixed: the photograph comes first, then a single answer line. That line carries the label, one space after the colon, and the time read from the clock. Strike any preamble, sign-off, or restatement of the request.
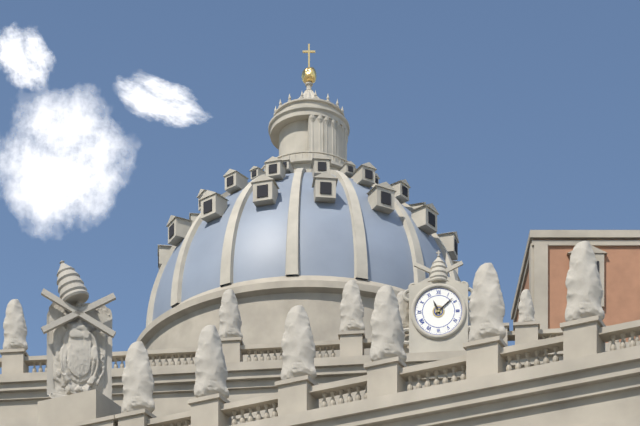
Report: 11:08
